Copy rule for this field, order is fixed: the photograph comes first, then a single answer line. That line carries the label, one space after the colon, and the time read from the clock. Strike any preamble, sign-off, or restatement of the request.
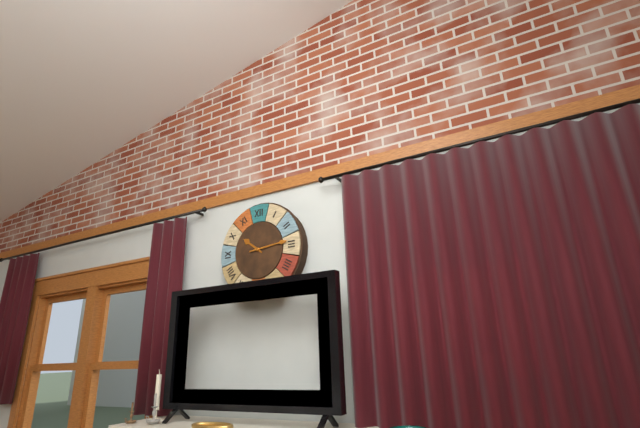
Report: 10:14
